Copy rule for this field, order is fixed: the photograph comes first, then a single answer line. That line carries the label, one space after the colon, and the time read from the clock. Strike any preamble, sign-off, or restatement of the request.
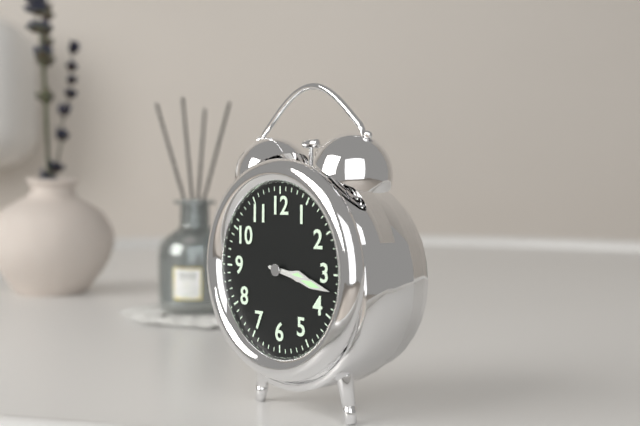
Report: 3:17
